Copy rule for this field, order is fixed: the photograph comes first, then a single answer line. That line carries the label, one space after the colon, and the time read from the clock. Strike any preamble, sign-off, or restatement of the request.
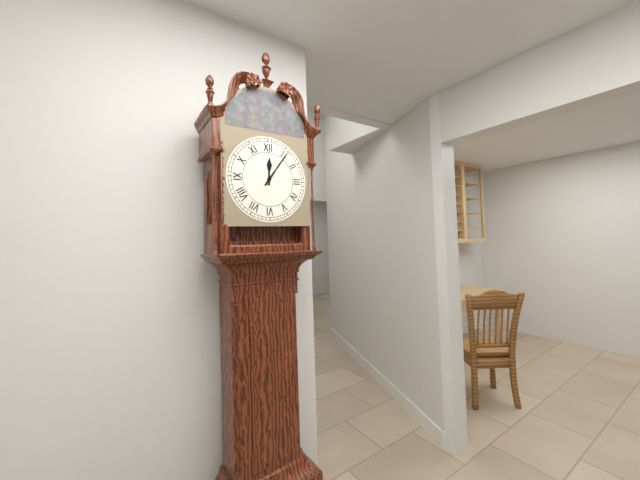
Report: 12:06
